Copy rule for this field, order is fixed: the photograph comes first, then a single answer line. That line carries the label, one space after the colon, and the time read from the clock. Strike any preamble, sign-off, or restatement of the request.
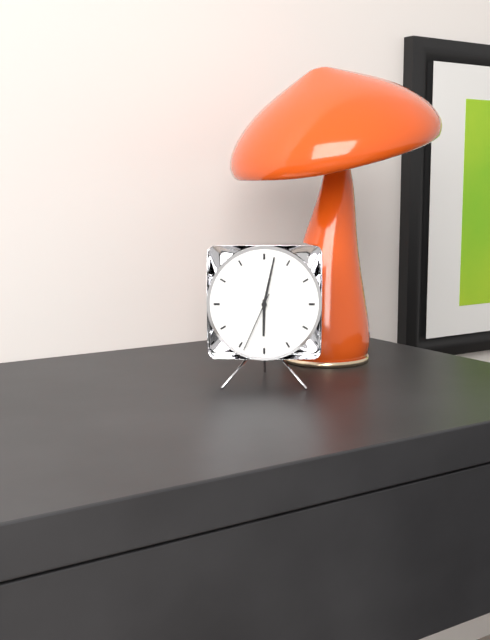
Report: 6:02:34
